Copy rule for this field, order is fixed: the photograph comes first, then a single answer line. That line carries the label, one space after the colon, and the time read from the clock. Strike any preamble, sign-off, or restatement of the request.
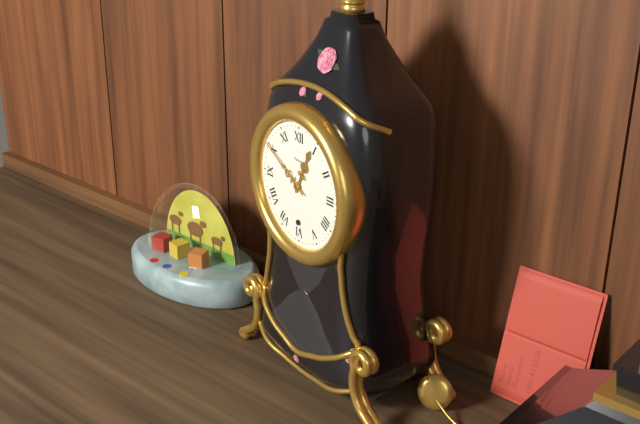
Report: 12:50
